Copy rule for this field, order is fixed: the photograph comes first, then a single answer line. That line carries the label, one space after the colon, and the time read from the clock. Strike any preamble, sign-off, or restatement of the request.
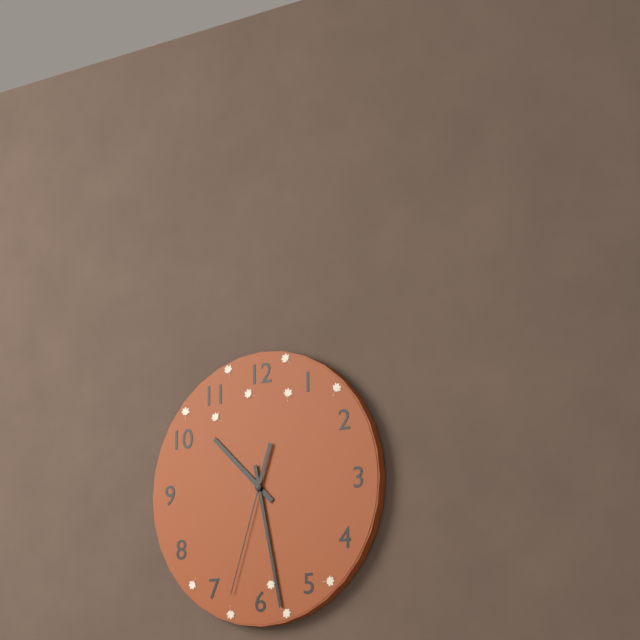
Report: 10:28:33
